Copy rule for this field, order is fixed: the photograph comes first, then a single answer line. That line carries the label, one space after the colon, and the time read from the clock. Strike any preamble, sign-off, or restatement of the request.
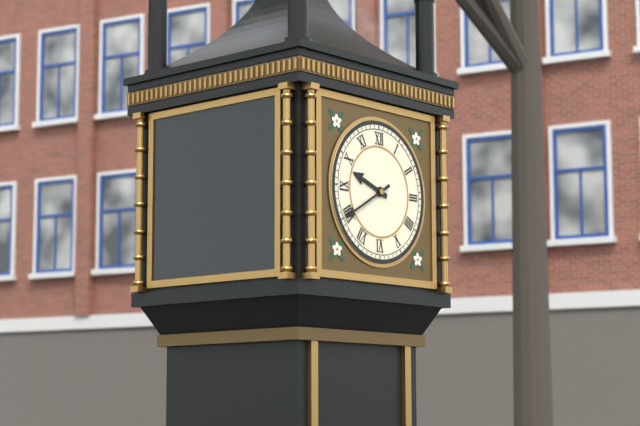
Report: 9:40
